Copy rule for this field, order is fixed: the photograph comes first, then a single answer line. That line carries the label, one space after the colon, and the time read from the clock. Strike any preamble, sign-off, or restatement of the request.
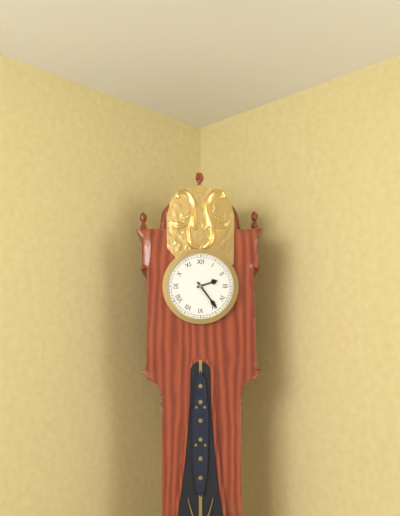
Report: 2:24
